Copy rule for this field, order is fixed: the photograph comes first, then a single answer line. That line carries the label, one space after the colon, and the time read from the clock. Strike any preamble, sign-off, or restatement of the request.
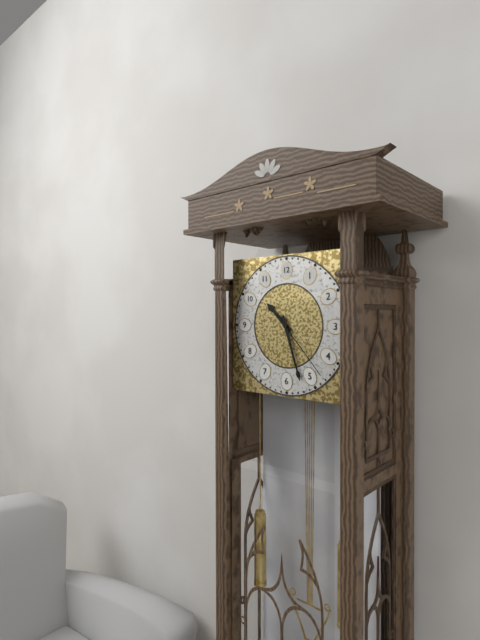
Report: 10:27:23
